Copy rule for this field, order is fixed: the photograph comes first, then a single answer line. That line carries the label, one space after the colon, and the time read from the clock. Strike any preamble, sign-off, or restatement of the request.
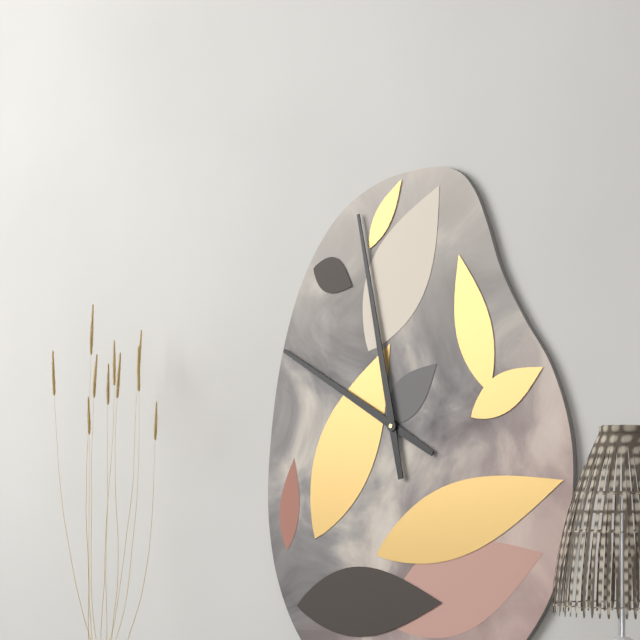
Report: 9:58
